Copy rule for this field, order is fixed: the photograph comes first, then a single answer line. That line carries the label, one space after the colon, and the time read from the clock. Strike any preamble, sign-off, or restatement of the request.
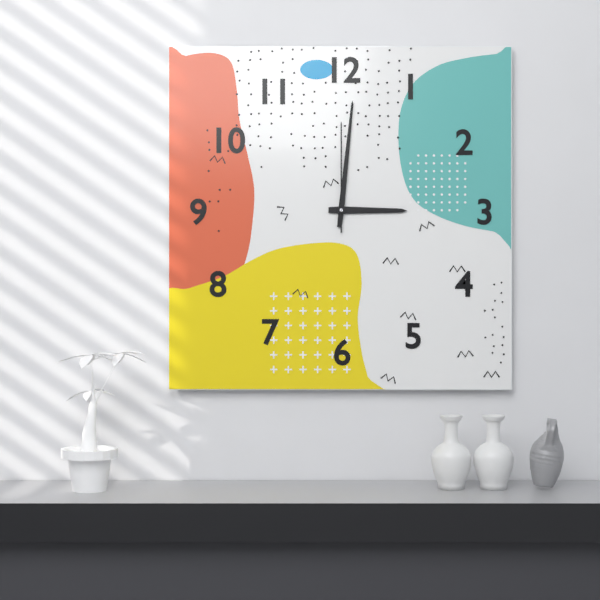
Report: 3:01:00
